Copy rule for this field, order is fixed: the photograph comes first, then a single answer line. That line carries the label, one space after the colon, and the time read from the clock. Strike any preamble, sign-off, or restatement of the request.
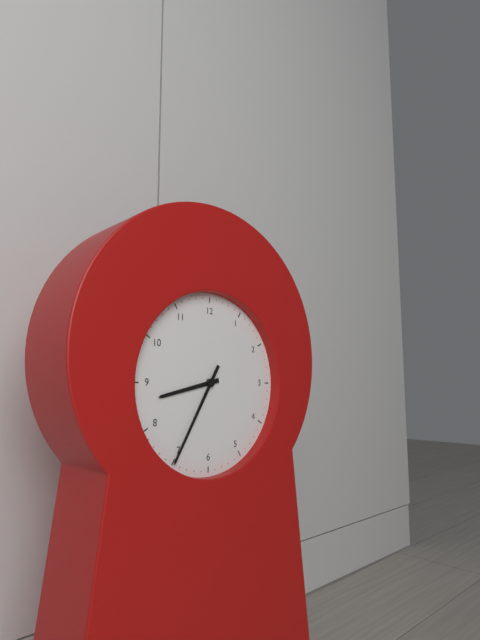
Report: 8:35
